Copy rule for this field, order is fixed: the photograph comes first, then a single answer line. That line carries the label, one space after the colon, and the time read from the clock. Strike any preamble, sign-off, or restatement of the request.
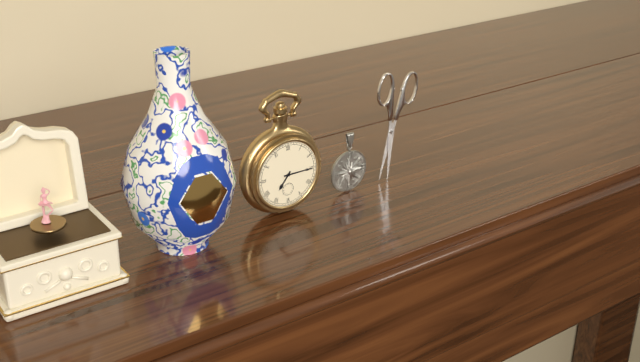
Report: 7:15
